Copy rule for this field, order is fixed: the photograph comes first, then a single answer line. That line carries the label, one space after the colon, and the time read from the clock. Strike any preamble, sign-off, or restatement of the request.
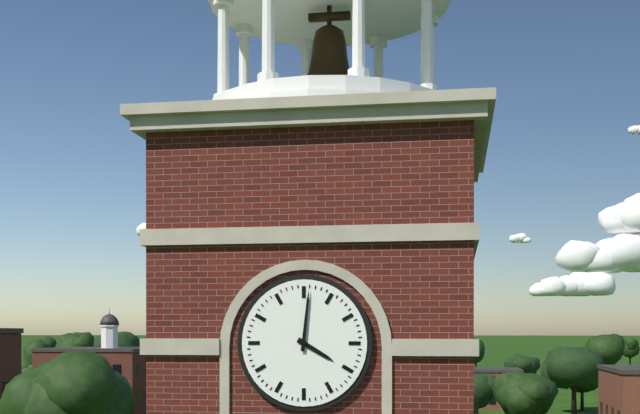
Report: 4:01
